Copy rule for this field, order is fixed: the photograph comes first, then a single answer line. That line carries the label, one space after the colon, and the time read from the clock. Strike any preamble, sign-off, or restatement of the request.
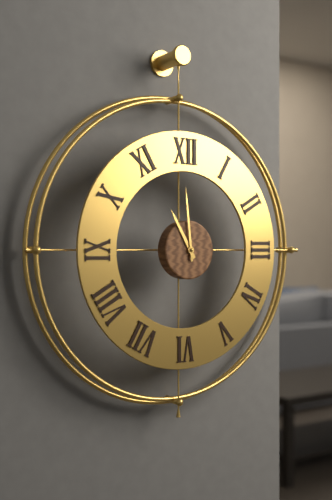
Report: 10:59
